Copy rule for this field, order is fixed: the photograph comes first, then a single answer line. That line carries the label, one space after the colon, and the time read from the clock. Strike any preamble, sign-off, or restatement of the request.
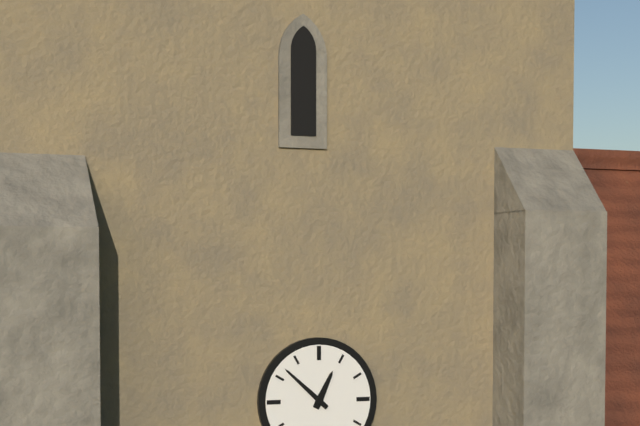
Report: 12:52
